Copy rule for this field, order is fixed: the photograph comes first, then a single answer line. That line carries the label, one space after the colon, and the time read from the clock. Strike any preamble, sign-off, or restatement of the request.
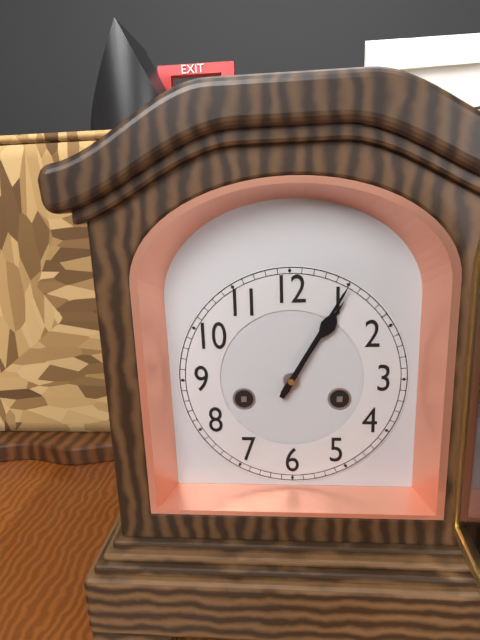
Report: 1:05
